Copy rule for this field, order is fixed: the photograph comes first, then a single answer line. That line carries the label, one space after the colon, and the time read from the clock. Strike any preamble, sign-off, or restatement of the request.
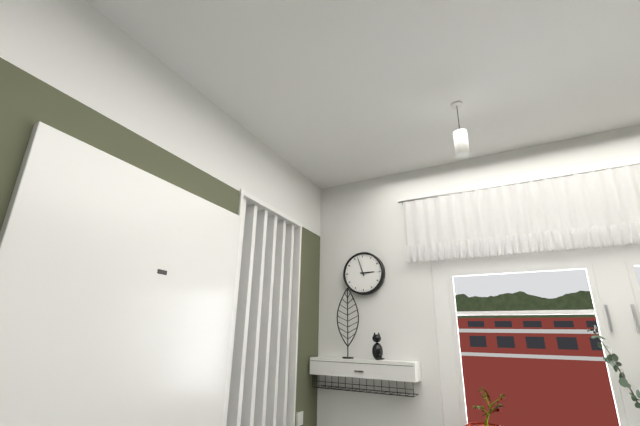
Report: 2:57
